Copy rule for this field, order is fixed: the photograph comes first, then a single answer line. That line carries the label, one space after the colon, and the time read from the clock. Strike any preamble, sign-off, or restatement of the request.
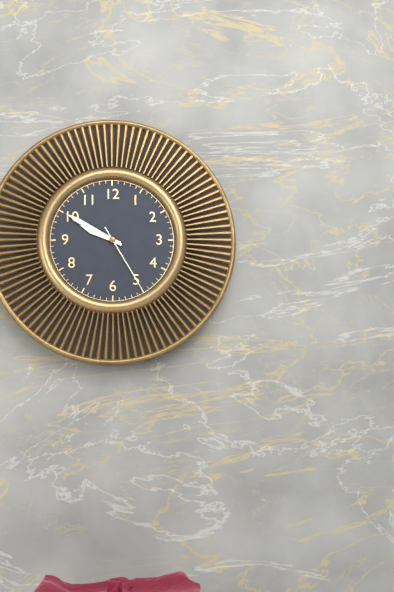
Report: 9:50:25
